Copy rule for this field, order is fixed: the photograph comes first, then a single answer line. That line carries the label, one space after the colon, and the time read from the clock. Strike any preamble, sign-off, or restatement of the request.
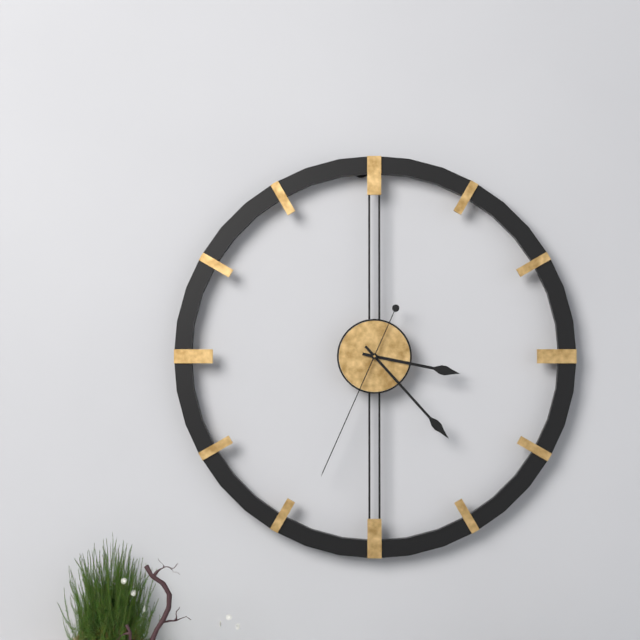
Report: 3:23:34
